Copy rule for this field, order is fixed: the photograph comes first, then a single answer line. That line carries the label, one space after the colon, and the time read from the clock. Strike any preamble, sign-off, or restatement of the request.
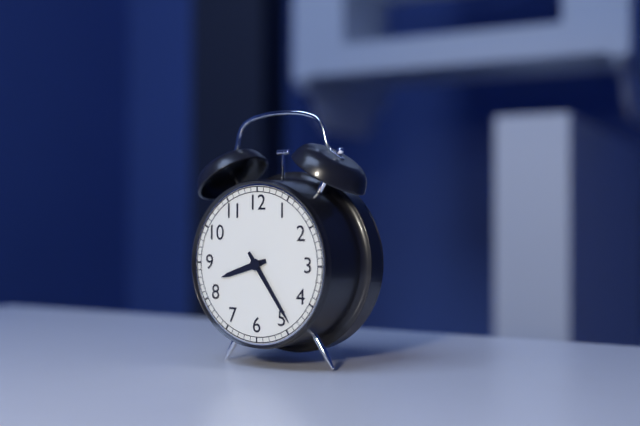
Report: 8:24
